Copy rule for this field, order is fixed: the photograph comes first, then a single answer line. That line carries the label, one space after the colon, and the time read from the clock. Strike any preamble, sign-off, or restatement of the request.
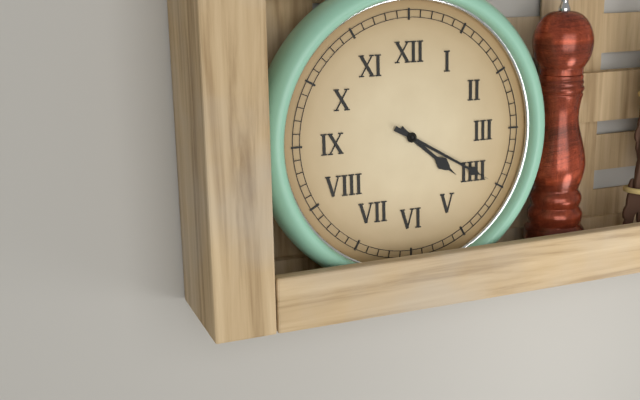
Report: 4:20
